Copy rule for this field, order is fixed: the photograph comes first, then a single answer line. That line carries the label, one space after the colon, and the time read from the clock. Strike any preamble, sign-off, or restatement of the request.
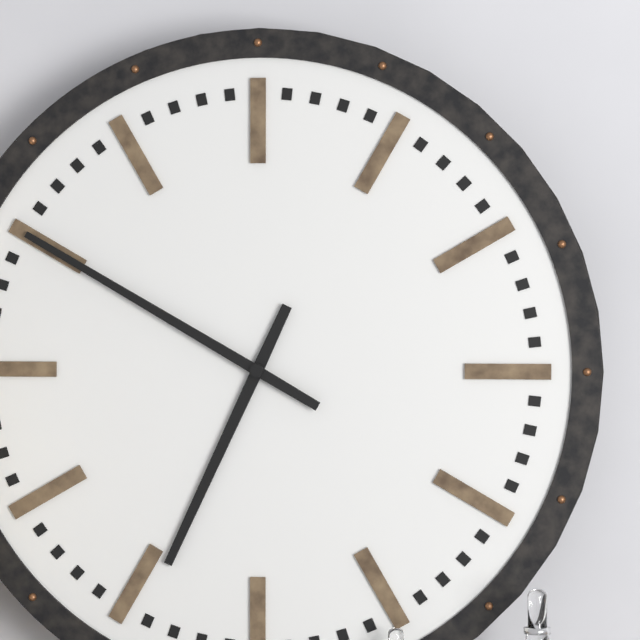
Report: 6:50
